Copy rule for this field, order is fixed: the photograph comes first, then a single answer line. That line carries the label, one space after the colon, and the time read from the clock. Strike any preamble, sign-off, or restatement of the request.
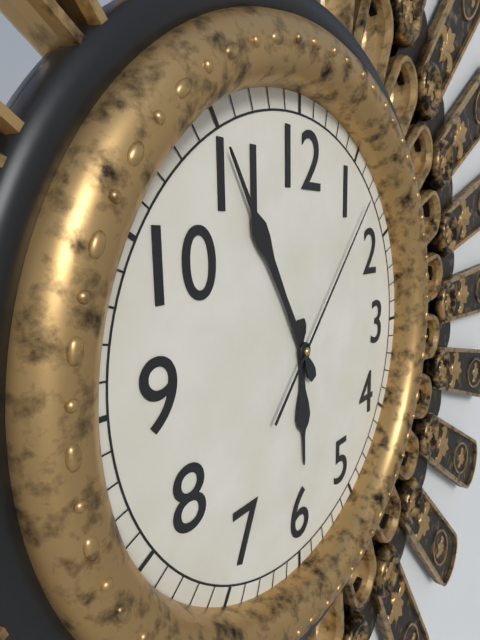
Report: 5:55:07
